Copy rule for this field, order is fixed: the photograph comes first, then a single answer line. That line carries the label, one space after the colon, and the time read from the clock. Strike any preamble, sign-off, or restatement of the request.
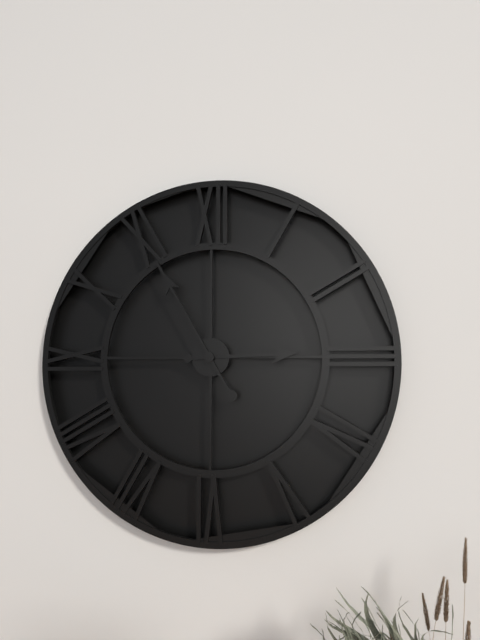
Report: 2:55
